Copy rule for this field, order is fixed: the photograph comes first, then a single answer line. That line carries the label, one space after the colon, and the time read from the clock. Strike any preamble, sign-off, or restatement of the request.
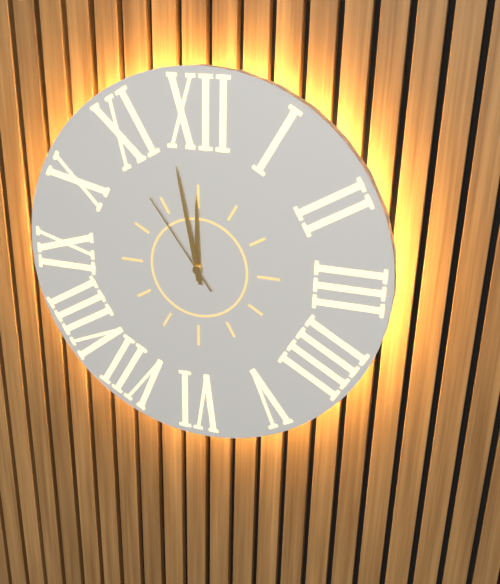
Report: 11:58:54
